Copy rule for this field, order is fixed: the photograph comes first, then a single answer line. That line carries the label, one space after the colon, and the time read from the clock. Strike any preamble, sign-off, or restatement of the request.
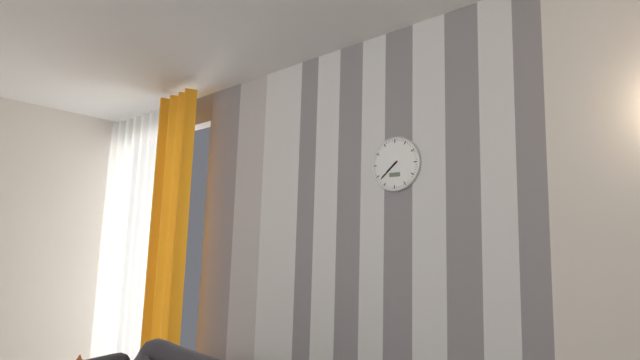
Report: 7:38
